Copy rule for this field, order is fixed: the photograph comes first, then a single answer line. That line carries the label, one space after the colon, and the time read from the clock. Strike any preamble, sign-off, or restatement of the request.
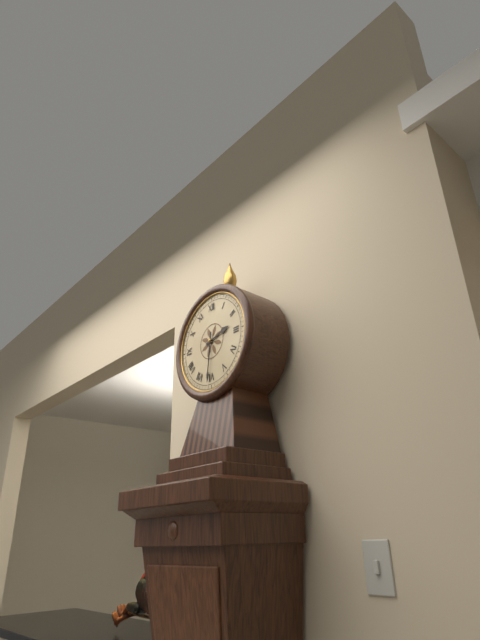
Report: 2:31
